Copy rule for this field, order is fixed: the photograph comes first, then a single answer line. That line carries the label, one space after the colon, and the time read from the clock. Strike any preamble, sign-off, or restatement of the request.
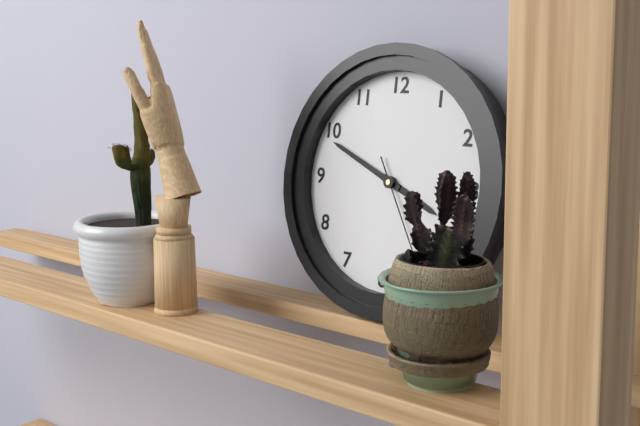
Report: 3:49:25
